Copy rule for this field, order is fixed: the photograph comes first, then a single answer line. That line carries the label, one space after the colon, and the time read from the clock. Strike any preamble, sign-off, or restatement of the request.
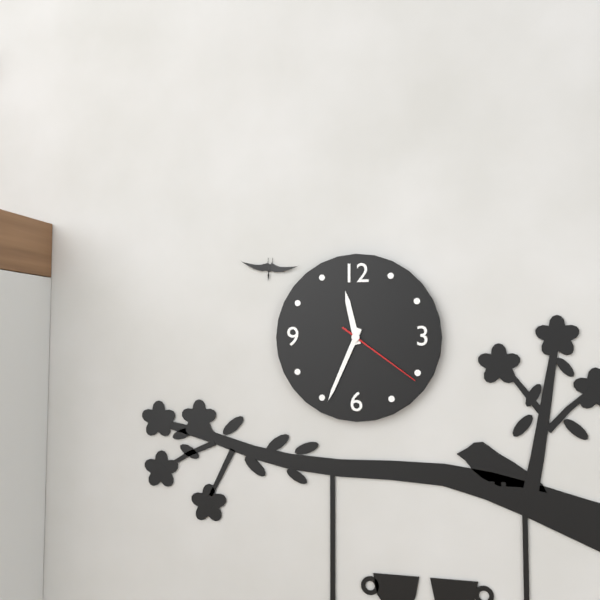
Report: 11:34:21
